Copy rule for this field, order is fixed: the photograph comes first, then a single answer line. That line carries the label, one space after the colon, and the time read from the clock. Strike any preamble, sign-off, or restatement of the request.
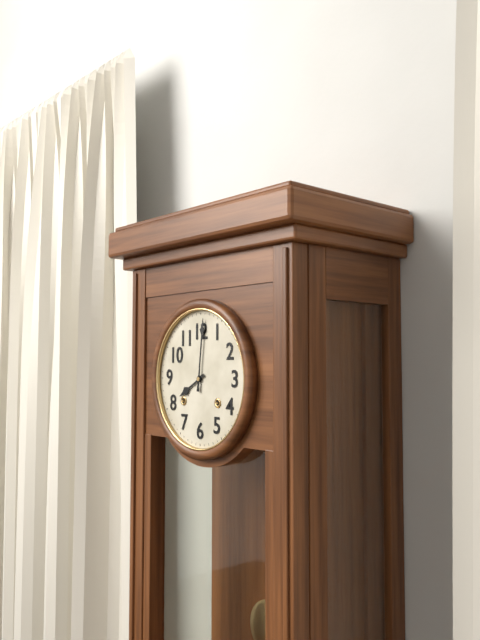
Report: 8:01
